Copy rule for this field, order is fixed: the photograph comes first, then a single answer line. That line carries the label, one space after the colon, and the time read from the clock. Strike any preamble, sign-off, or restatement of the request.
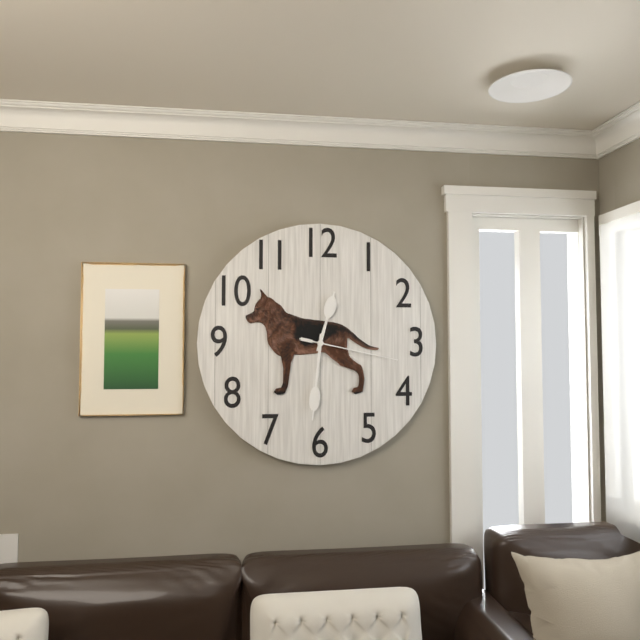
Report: 12:31:17
